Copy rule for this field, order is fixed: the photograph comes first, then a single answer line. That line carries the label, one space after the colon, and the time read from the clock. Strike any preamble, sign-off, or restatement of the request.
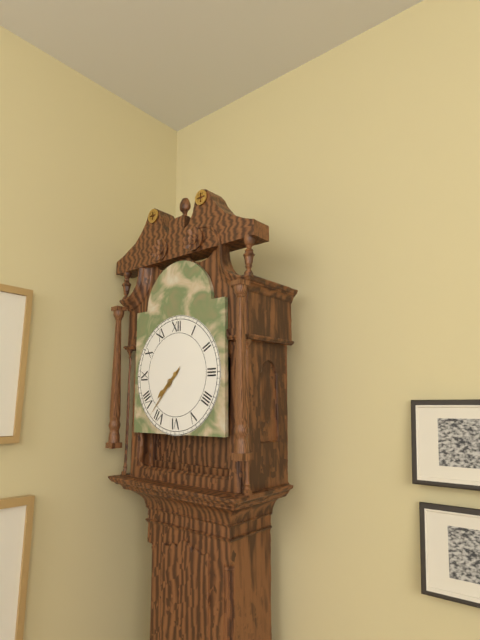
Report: 7:37
